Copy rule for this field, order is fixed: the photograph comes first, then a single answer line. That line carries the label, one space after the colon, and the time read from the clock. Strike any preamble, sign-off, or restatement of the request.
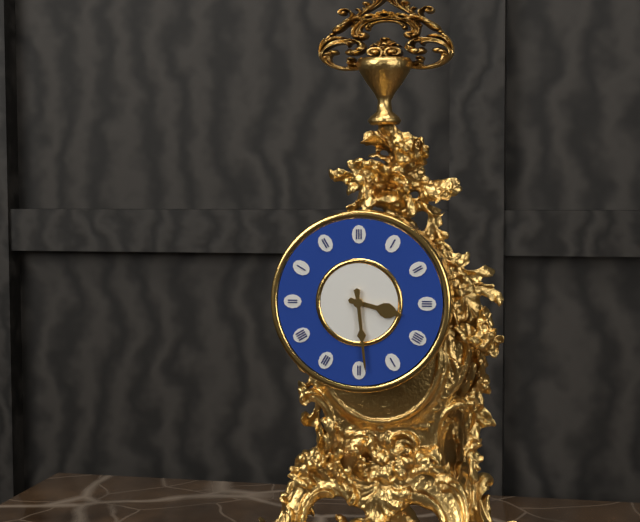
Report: 3:29
